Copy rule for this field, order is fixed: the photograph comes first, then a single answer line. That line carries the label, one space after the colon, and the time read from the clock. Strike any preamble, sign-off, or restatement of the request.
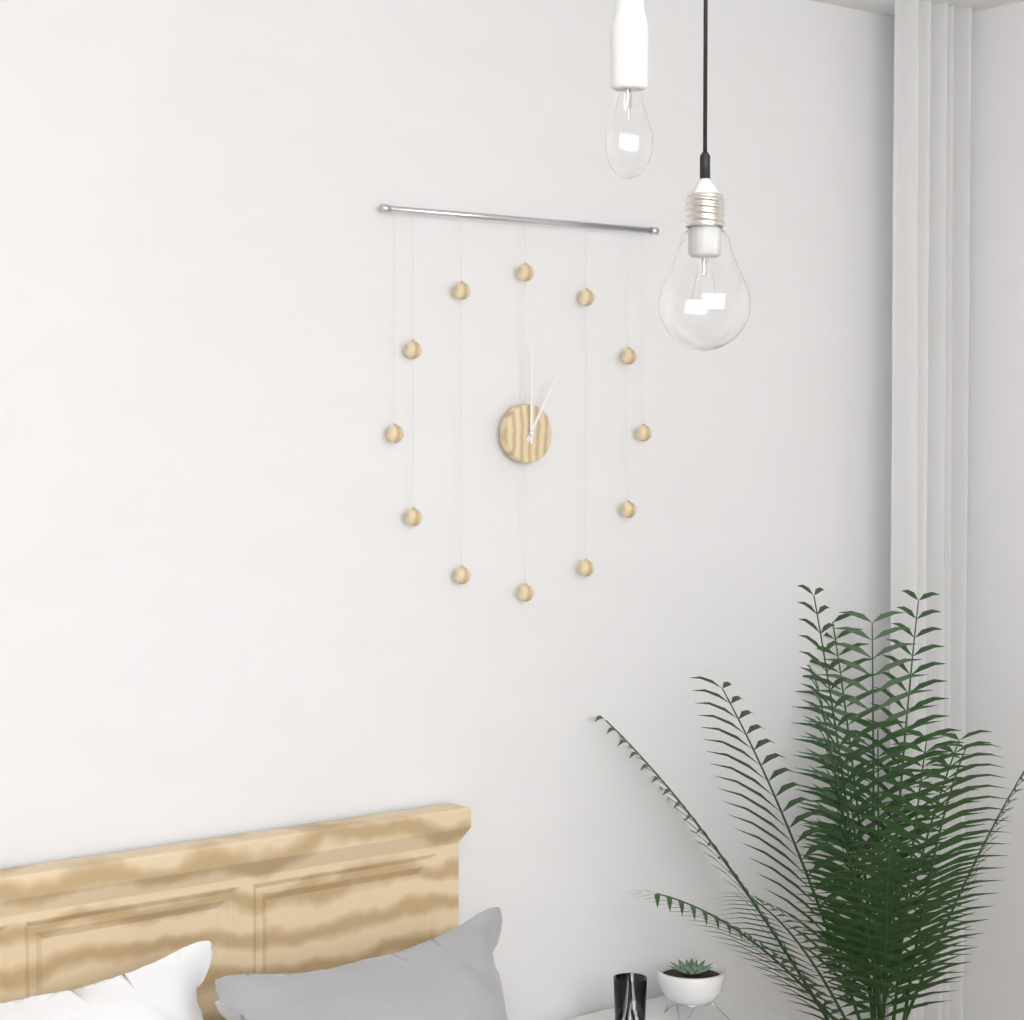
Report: 1:00
